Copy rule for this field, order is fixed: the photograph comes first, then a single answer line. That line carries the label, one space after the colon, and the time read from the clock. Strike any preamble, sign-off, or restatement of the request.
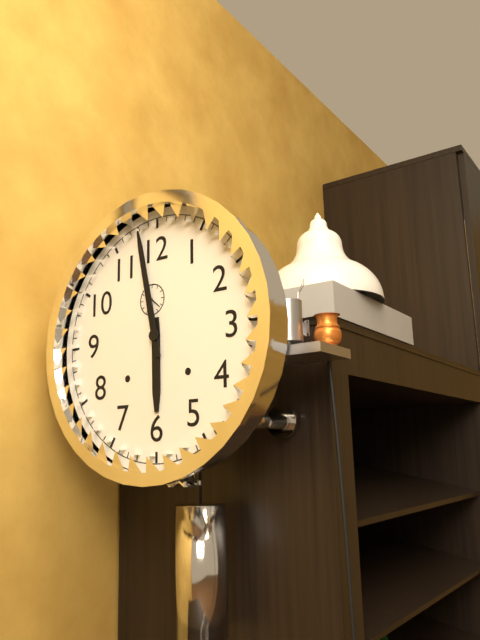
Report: 5:58
